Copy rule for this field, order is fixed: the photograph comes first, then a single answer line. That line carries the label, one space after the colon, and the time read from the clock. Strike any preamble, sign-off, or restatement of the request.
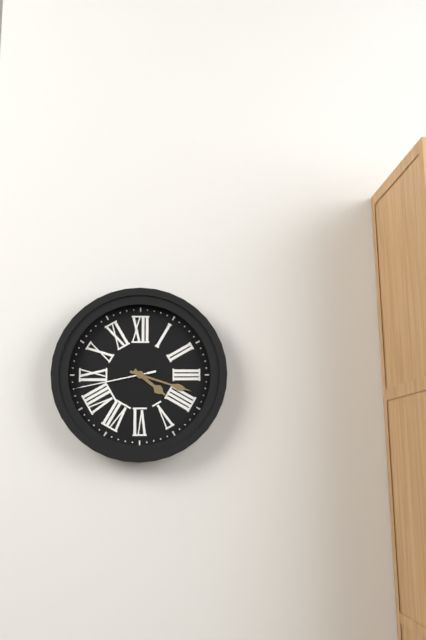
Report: 4:18:43
